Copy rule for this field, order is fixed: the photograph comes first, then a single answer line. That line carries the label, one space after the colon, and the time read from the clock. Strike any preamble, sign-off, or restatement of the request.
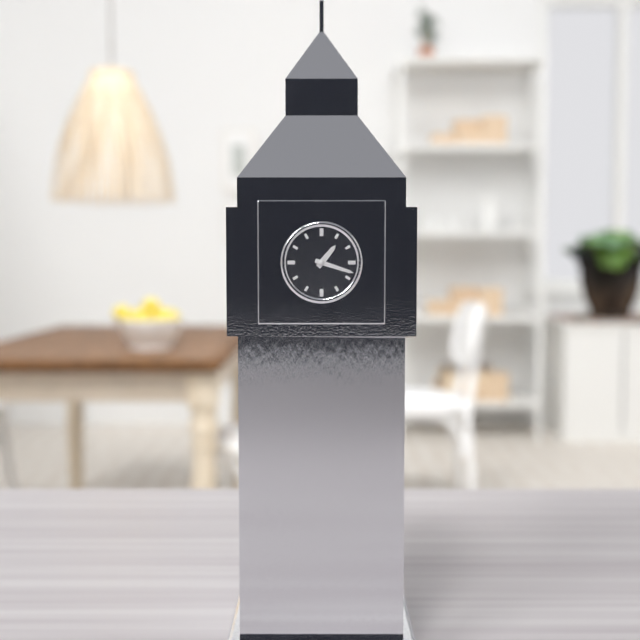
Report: 1:18
